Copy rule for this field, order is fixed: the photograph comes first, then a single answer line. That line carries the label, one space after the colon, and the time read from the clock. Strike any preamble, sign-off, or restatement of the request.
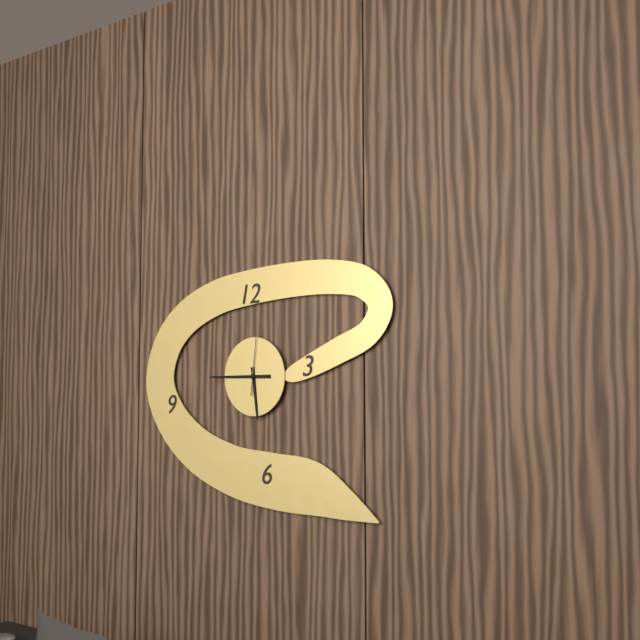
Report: 5:45:01
